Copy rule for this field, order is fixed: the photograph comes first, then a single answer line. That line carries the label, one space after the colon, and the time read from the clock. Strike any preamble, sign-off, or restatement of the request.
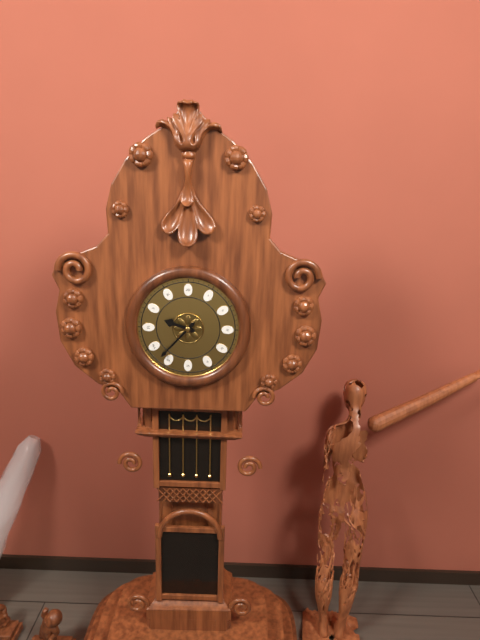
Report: 9:37
